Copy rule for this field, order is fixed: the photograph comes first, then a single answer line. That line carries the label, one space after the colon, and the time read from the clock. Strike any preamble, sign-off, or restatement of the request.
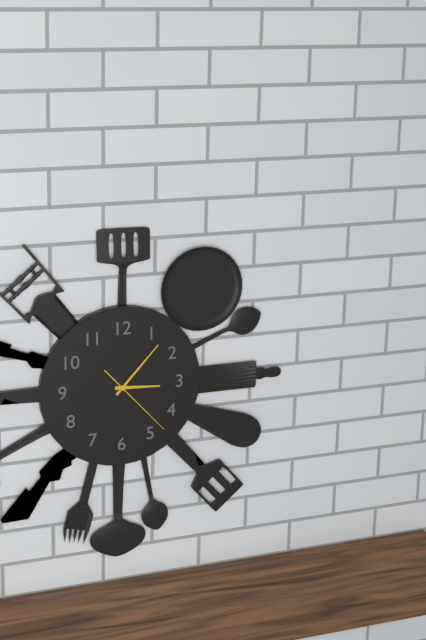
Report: 3:07:23
